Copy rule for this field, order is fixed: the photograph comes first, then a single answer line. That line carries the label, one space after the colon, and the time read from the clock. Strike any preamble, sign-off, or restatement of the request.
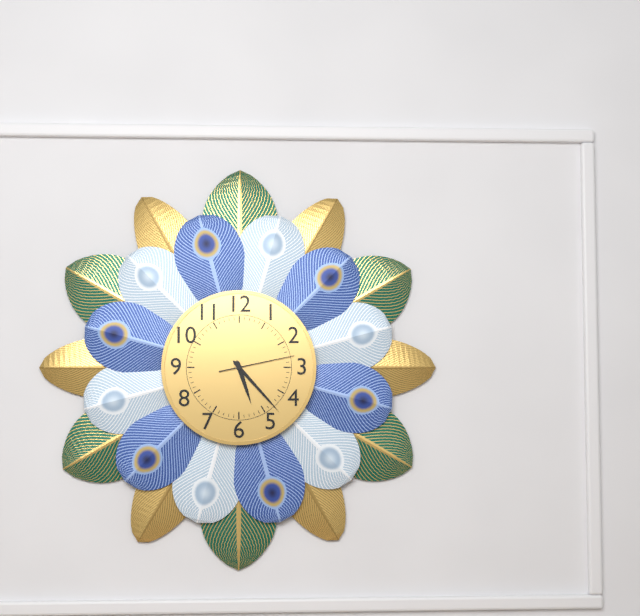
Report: 5:23:13
